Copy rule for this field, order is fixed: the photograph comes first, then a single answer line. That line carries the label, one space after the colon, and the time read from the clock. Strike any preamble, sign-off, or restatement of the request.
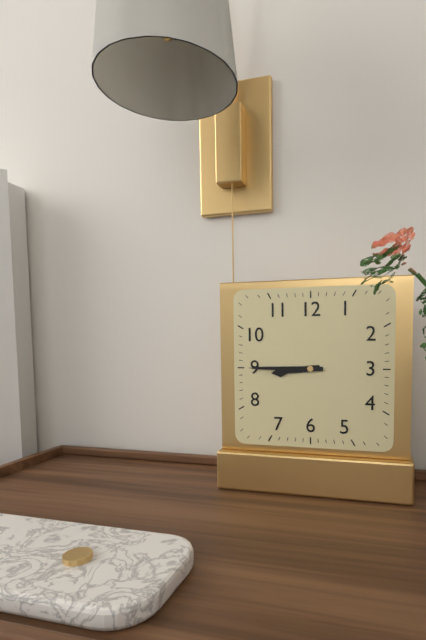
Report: 8:45
